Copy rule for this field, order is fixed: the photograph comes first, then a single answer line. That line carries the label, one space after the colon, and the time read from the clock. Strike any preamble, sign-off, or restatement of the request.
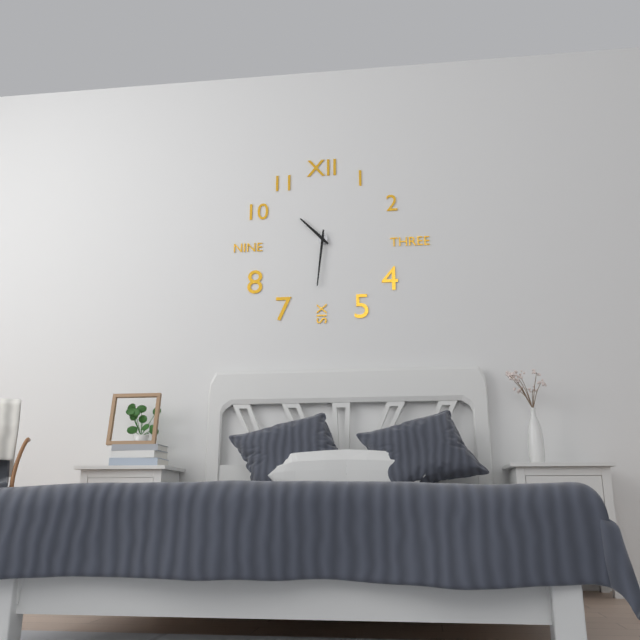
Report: 10:31
